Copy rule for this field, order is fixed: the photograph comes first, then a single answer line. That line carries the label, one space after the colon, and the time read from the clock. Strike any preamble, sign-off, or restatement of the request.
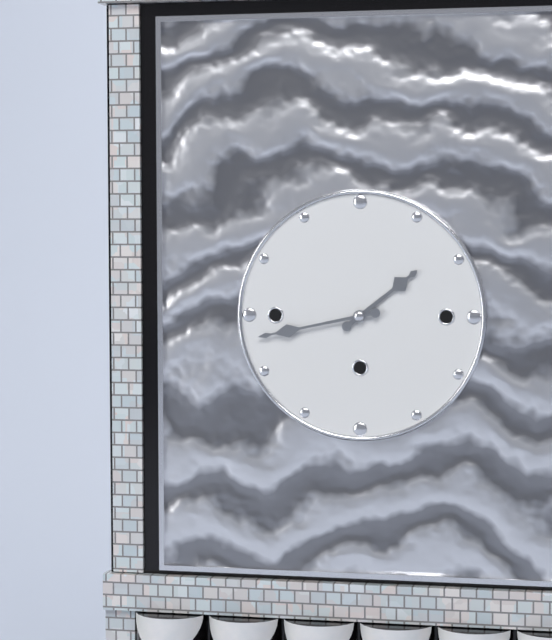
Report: 1:43
